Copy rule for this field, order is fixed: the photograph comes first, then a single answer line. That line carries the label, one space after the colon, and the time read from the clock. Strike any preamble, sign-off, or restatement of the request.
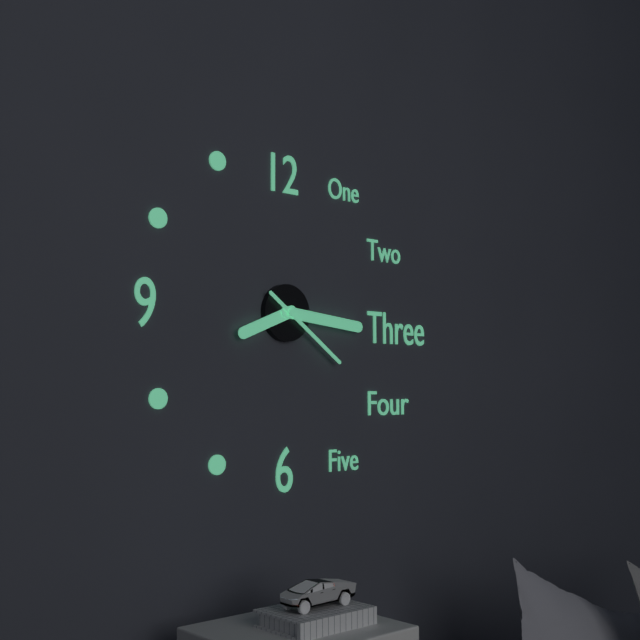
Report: 8:16:21
